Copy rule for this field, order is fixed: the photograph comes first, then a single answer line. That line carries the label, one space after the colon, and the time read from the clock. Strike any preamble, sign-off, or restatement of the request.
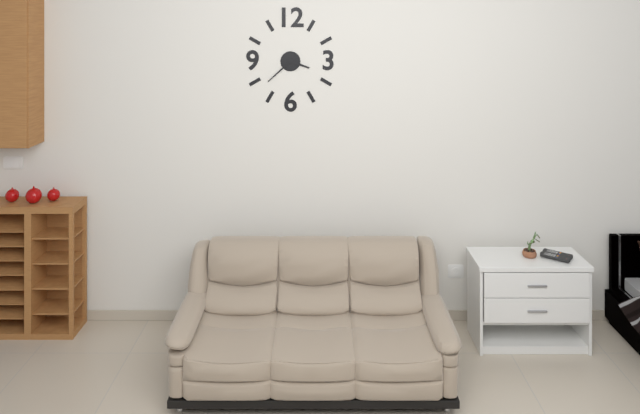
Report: 3:38
